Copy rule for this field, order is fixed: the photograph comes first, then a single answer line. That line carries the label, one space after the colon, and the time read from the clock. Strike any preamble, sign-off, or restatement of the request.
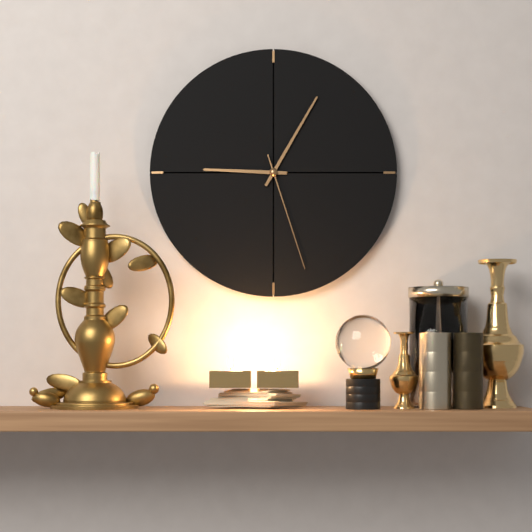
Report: 9:05:27
